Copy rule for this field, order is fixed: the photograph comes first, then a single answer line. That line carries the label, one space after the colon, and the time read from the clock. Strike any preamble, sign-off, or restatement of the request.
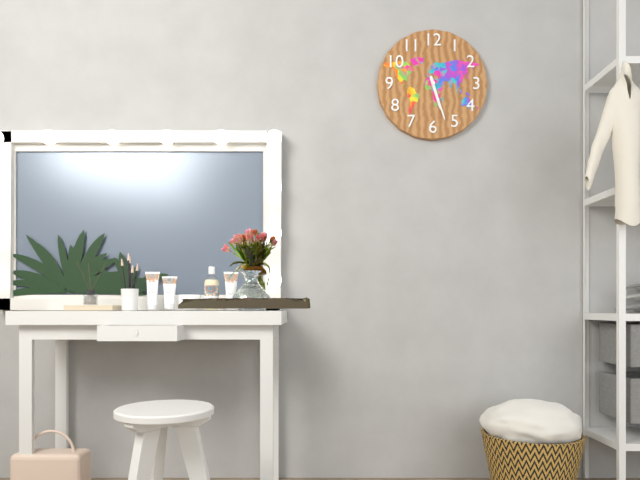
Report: 5:27
